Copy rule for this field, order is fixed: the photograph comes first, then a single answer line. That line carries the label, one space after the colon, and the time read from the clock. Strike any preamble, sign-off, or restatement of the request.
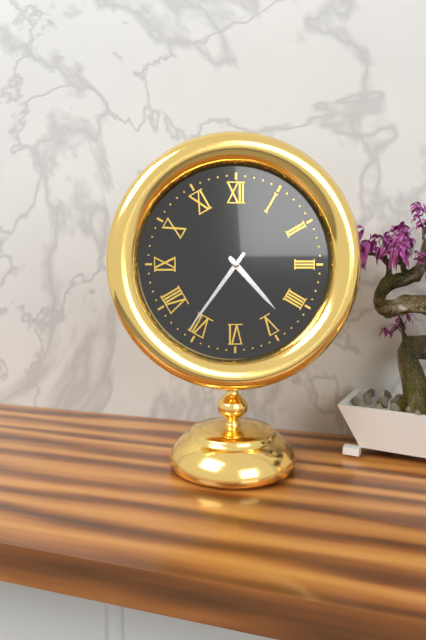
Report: 4:36
